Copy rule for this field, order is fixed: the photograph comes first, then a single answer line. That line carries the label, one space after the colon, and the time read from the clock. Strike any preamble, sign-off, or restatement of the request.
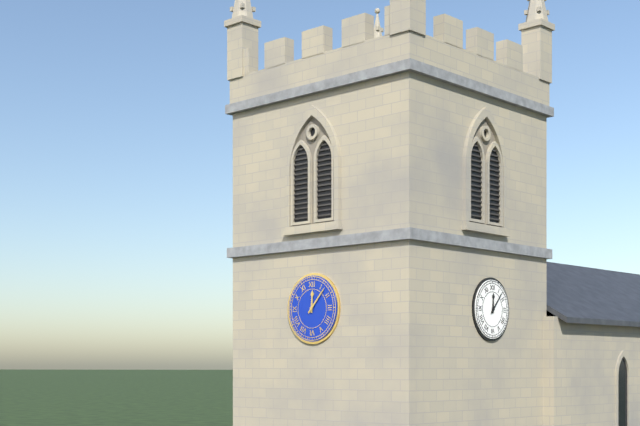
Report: 12:07
